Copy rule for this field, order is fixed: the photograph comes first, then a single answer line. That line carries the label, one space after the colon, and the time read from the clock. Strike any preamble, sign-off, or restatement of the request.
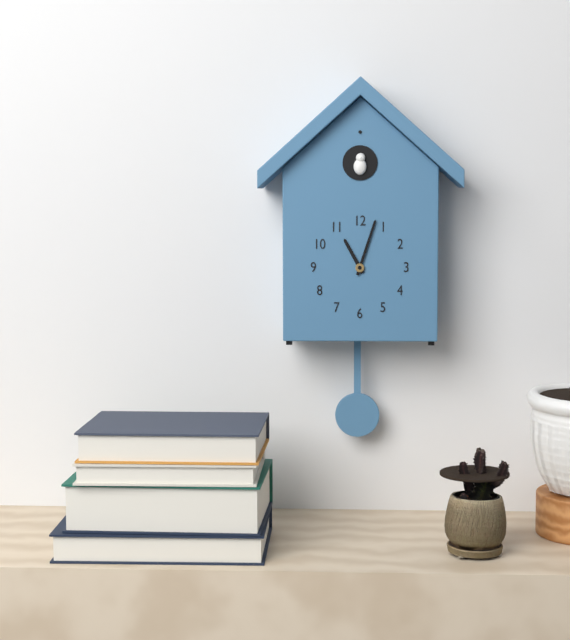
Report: 11:03
